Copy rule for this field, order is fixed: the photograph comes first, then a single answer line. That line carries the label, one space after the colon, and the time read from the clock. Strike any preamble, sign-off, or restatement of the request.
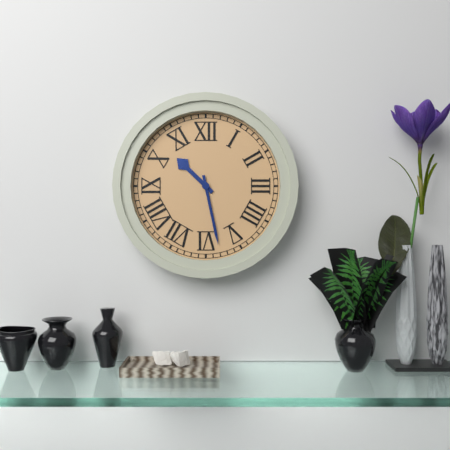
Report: 10:28
